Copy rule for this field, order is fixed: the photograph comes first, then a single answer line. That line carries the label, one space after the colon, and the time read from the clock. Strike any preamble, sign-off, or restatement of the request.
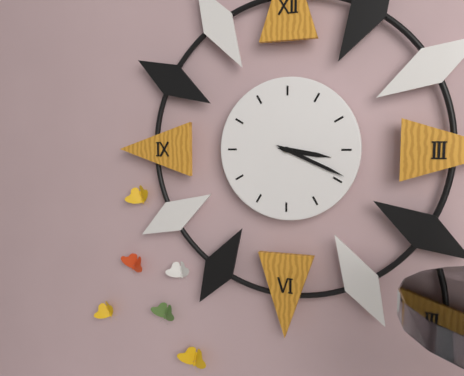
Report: 3:19
